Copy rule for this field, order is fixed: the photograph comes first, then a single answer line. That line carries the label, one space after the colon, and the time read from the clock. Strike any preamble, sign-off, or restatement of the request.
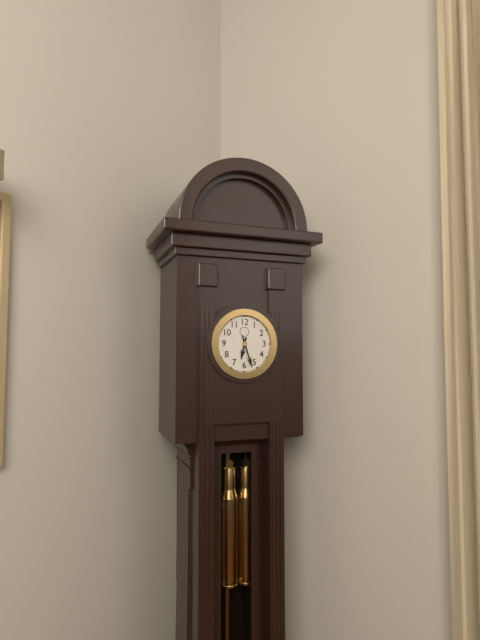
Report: 6:27
